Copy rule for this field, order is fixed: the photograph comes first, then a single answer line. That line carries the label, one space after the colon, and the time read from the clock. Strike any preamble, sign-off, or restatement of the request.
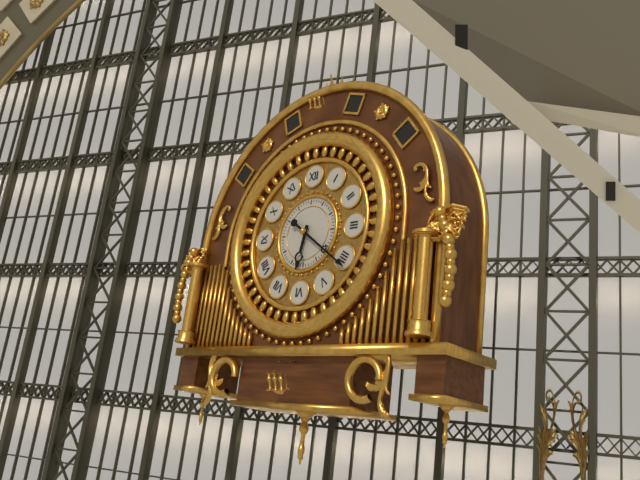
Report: 6:21
